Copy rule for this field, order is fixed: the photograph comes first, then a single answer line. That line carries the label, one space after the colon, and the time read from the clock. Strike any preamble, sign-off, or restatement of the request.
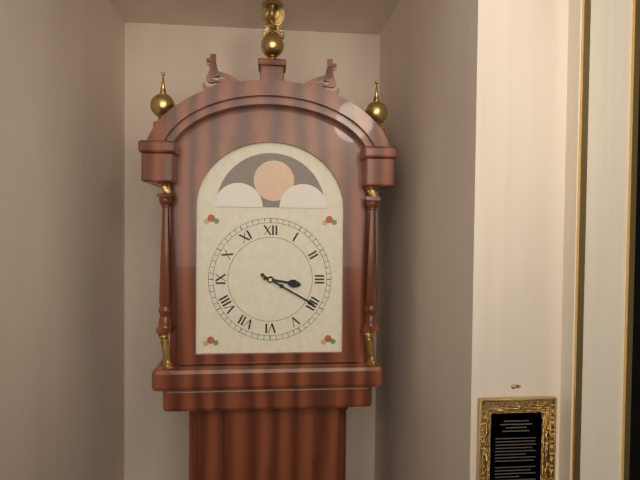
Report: 3:20
